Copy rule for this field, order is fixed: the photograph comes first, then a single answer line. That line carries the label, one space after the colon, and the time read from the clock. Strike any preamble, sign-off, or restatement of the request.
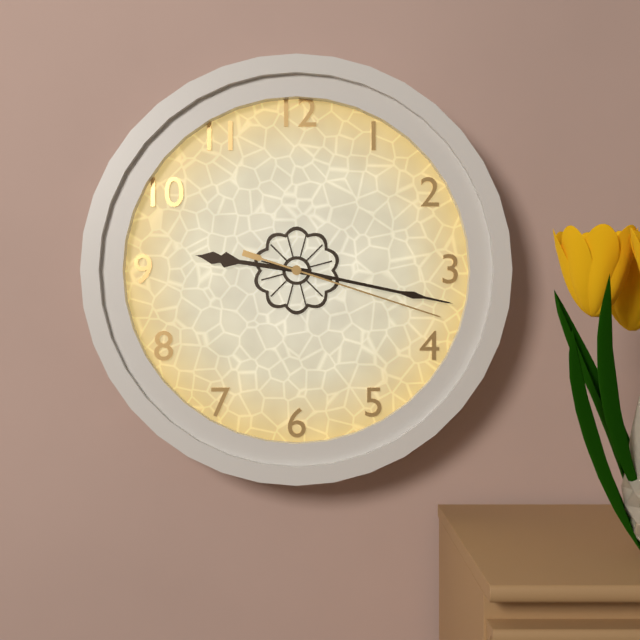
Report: 9:17:18
